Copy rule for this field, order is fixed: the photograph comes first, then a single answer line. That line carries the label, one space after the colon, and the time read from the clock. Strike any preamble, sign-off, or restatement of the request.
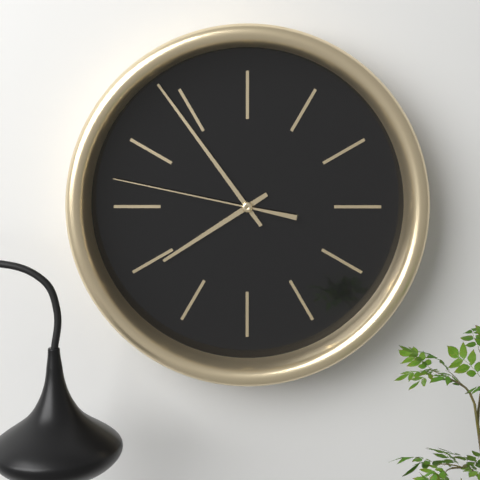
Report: 7:54:47
